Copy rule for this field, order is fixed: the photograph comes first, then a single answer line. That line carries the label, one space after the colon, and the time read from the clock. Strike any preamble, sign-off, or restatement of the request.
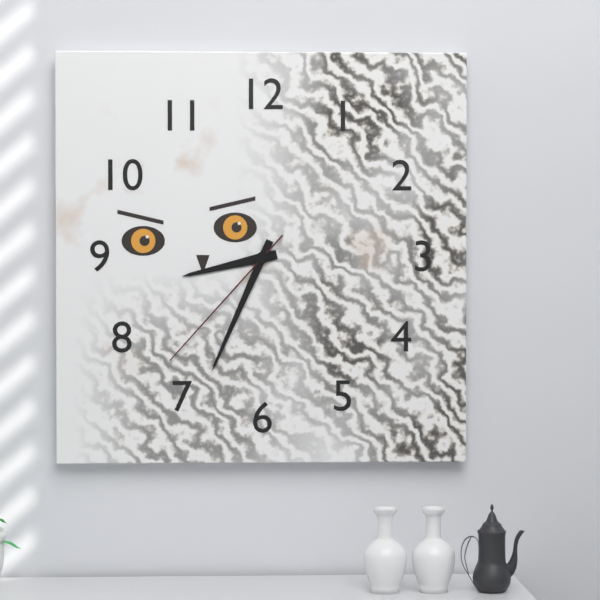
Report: 8:34:37
